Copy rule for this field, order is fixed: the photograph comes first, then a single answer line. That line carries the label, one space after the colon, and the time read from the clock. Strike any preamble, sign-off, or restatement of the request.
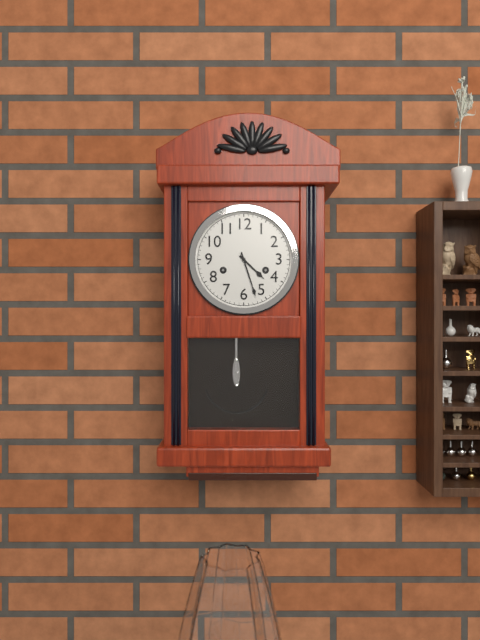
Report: 4:27
